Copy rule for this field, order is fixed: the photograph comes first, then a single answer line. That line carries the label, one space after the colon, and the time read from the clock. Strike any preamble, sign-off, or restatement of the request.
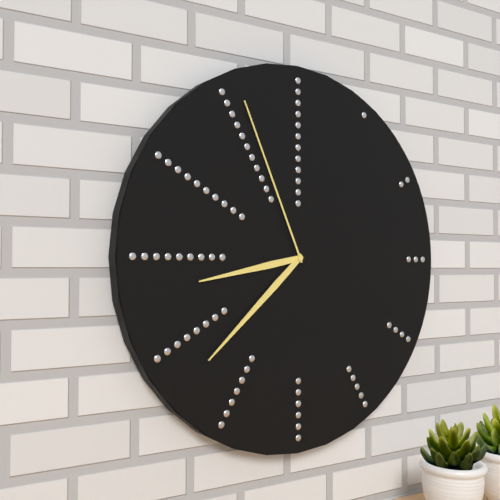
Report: 8:38:56
